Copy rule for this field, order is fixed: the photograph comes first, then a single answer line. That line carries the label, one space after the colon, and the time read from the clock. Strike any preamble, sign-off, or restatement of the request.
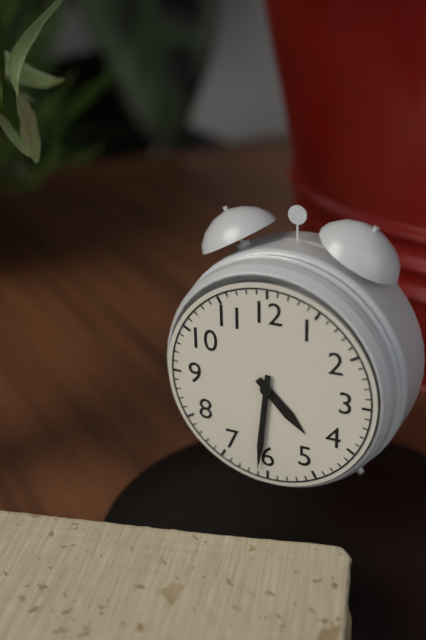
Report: 4:31
